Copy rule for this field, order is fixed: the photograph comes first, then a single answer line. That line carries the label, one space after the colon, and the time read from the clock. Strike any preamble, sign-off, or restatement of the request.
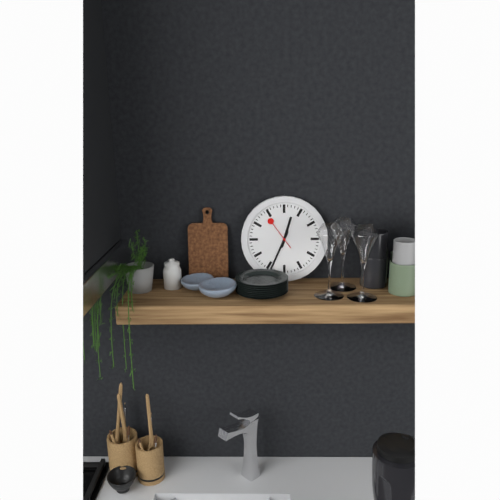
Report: 12:34
